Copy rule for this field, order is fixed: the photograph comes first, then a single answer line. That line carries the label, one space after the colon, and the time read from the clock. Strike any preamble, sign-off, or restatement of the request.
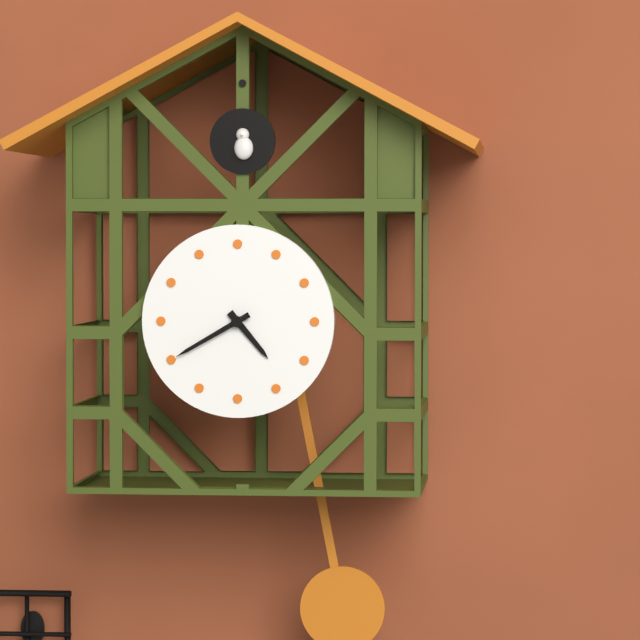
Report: 4:40
